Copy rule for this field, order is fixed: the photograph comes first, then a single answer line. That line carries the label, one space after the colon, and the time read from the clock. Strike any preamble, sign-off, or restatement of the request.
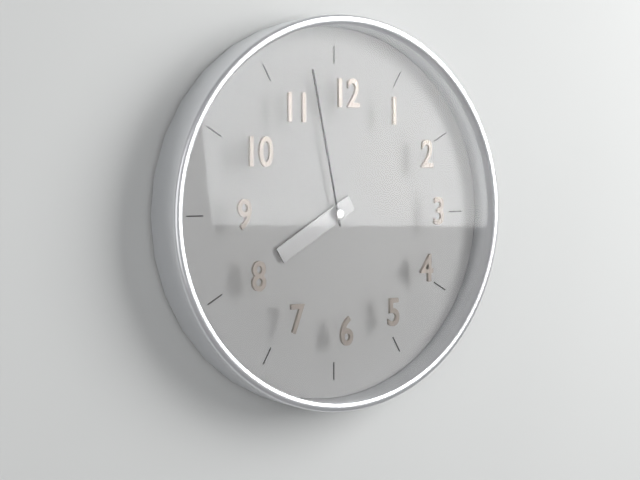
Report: 7:58
